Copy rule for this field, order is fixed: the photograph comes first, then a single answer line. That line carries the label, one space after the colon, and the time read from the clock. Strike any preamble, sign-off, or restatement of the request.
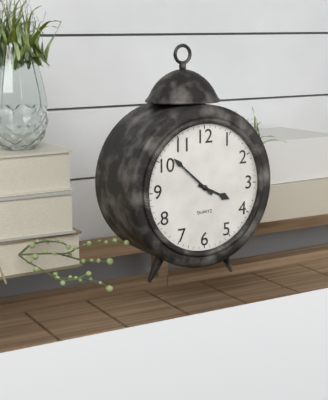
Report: 3:52
